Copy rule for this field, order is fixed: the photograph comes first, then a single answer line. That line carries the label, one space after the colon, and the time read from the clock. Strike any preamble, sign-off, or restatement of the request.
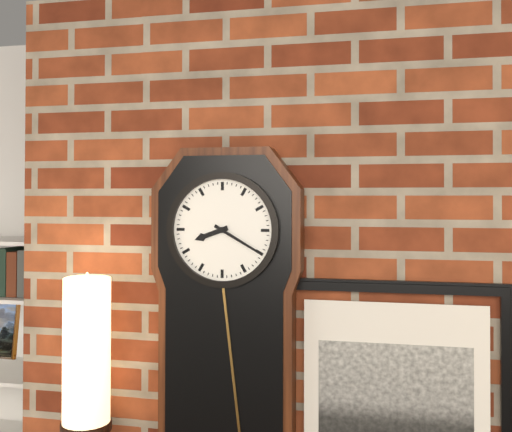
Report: 8:20
